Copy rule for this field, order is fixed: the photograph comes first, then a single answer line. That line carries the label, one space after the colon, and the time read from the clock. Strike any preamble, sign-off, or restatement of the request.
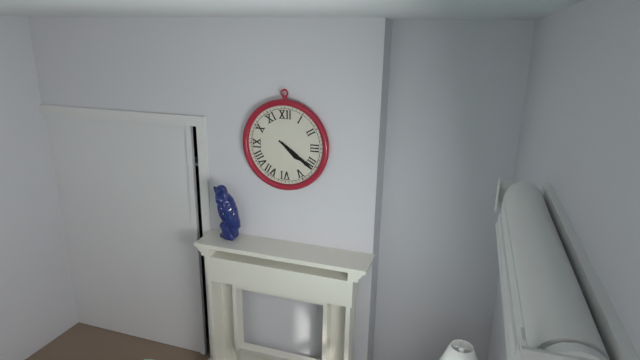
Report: 4:21
